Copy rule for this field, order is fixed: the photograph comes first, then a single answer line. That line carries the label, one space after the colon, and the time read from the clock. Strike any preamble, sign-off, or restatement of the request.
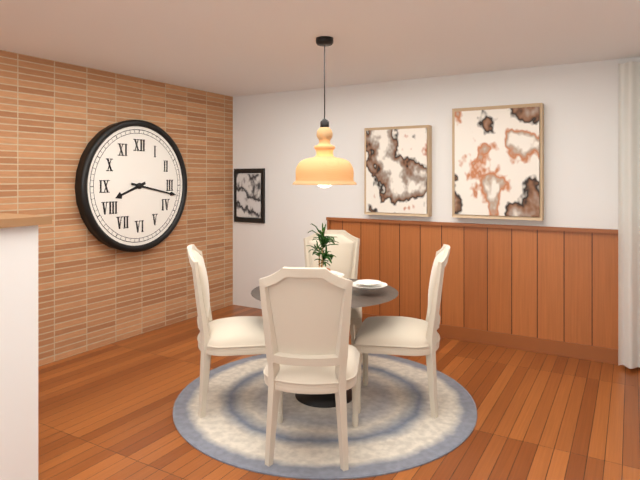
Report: 8:17
